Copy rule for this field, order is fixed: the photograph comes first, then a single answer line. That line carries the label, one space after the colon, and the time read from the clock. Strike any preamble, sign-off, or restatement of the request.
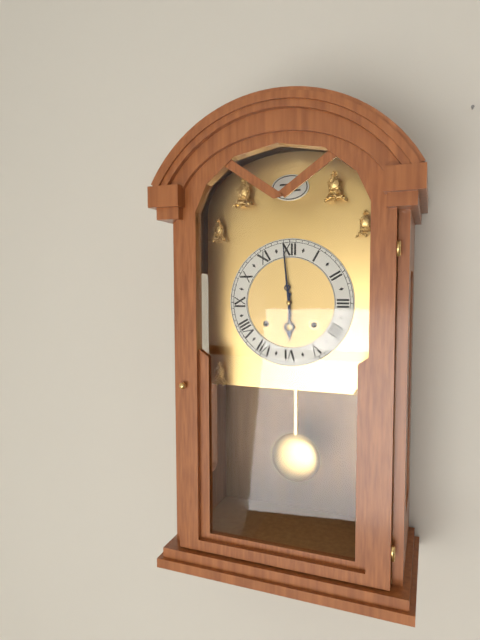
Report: 5:59
